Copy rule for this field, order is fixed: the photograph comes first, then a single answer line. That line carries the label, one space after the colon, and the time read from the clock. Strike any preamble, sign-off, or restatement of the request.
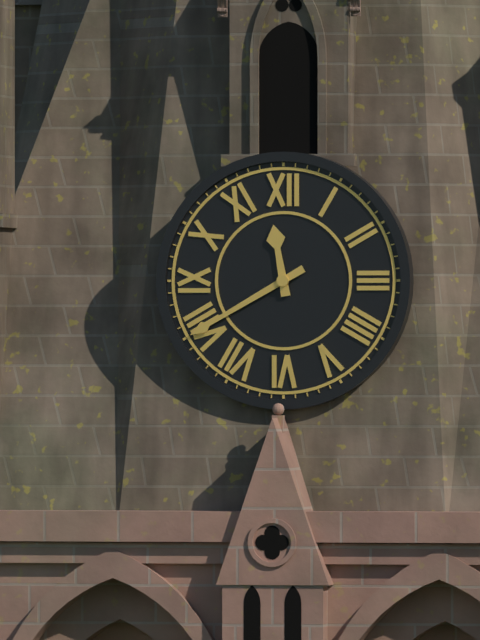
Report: 11:40
